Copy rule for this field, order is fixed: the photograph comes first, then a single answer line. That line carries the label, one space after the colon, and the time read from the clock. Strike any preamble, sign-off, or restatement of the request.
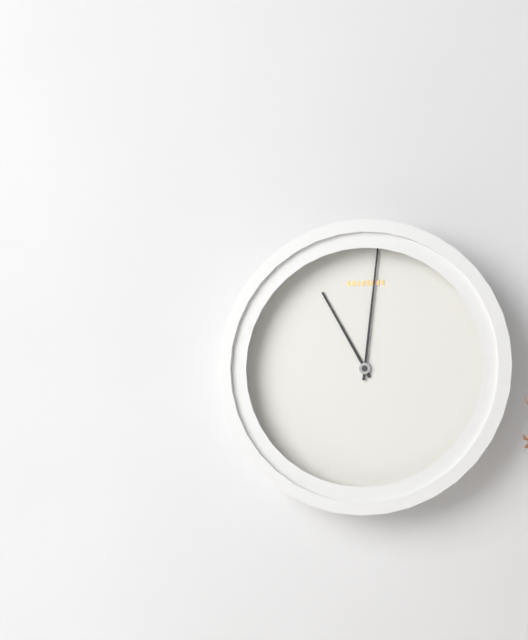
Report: 11:01
